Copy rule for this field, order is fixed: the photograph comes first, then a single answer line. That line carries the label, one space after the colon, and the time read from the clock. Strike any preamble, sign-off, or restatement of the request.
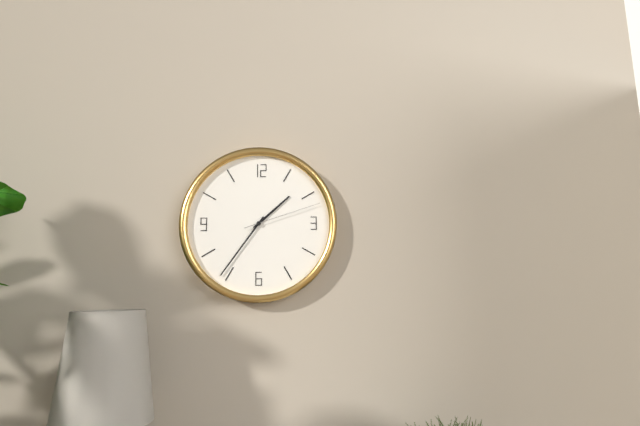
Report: 1:36:12
